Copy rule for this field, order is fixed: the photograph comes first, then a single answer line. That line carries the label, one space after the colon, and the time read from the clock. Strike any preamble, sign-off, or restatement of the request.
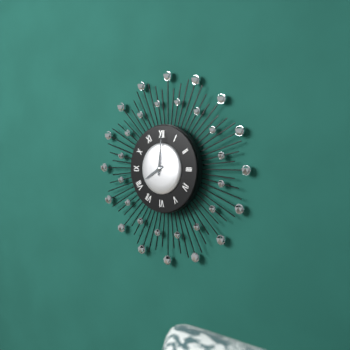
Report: 8:01
